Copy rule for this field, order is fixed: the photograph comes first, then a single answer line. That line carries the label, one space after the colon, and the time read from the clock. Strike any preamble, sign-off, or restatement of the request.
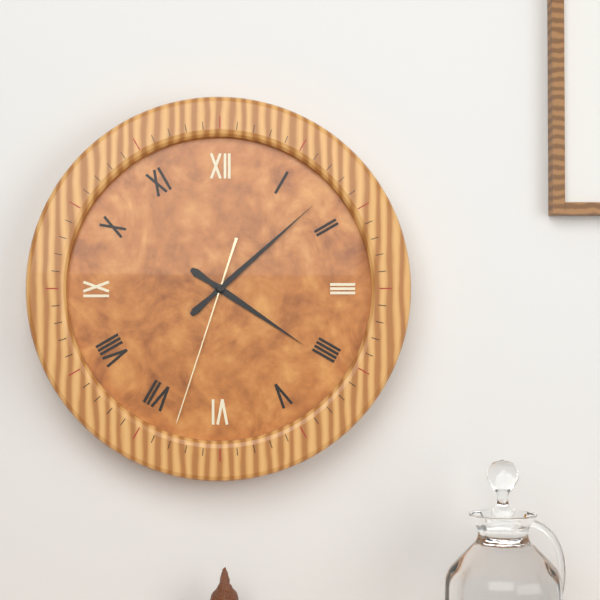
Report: 4:08:33
